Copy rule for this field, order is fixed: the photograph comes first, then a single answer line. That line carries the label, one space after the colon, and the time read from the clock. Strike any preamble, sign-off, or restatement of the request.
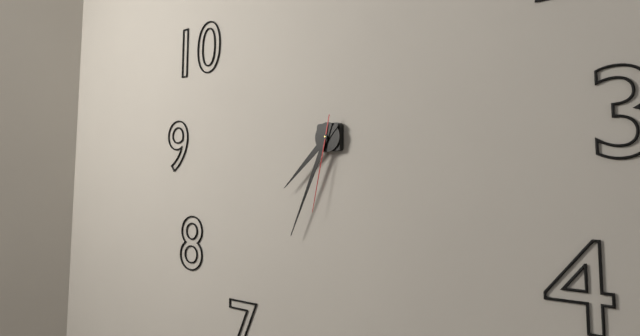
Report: 7:34:32
